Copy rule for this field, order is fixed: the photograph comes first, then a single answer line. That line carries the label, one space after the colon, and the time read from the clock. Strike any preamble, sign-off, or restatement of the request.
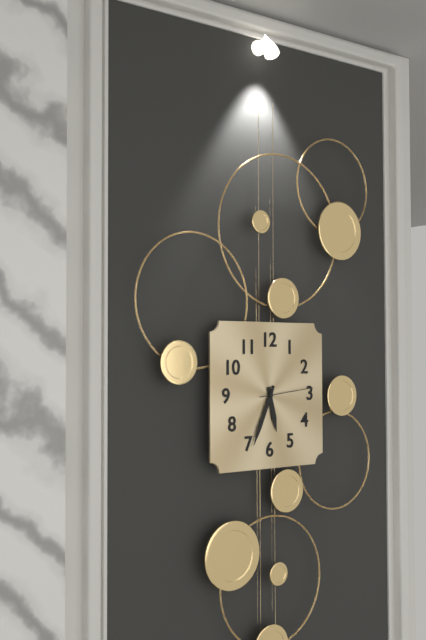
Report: 5:34:14
